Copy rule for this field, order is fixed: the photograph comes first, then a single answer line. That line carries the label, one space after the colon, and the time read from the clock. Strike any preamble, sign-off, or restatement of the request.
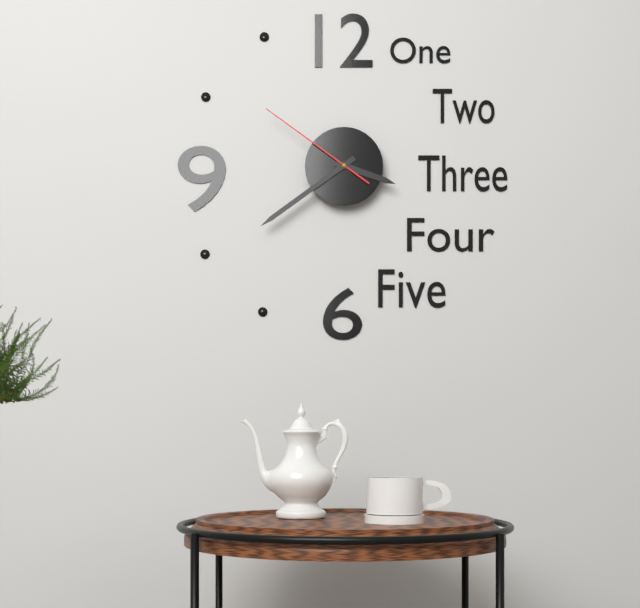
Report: 3:39:51
